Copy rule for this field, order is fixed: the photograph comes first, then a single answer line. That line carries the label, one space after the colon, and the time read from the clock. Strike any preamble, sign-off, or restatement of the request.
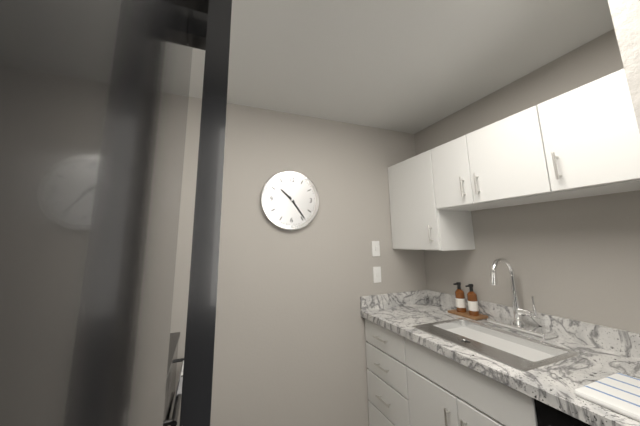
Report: 10:24
